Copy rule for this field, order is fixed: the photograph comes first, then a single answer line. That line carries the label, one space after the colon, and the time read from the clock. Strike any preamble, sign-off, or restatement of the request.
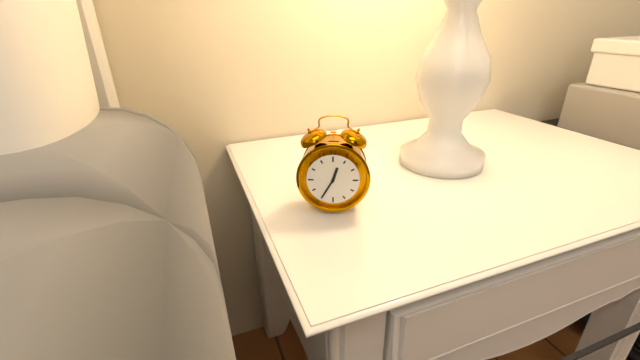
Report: 12:35
